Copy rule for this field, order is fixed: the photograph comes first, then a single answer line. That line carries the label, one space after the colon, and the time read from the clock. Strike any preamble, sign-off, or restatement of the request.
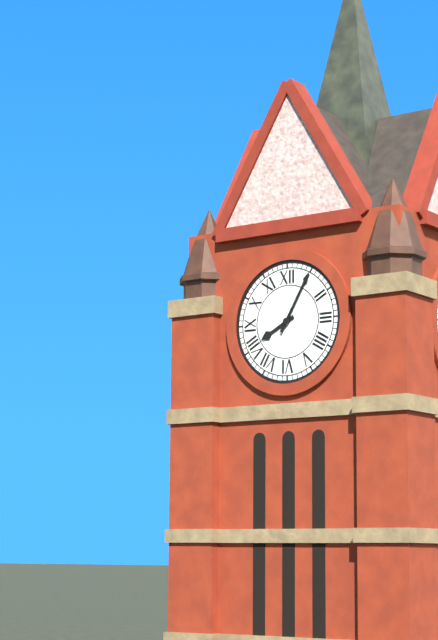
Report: 8:05
